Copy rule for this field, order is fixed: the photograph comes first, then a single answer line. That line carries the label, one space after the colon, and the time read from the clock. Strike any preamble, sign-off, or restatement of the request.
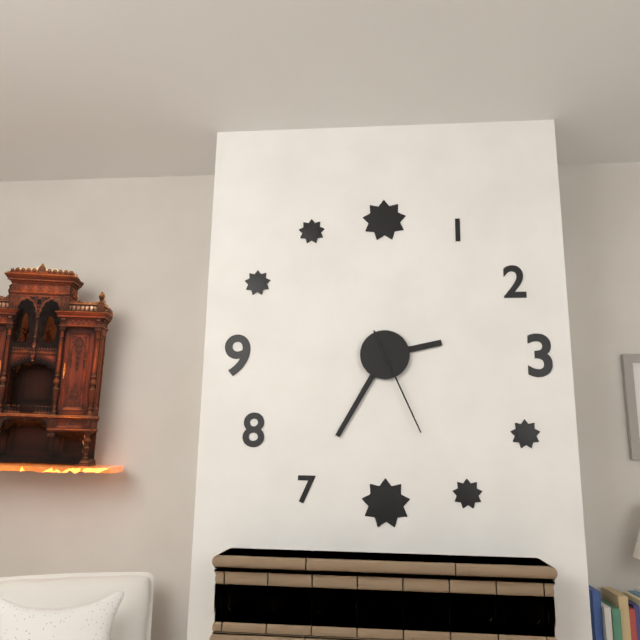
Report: 2:35:26
